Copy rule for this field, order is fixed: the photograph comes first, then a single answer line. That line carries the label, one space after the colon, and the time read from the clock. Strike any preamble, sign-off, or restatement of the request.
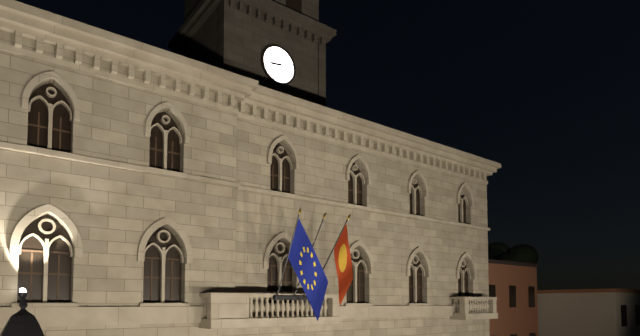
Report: 8:44
